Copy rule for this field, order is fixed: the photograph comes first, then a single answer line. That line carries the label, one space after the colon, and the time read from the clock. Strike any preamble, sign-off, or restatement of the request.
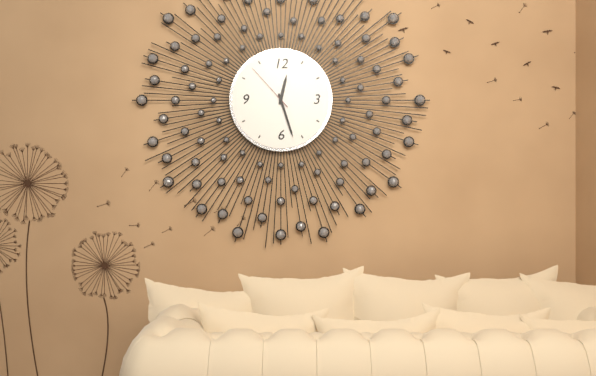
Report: 12:27:53
